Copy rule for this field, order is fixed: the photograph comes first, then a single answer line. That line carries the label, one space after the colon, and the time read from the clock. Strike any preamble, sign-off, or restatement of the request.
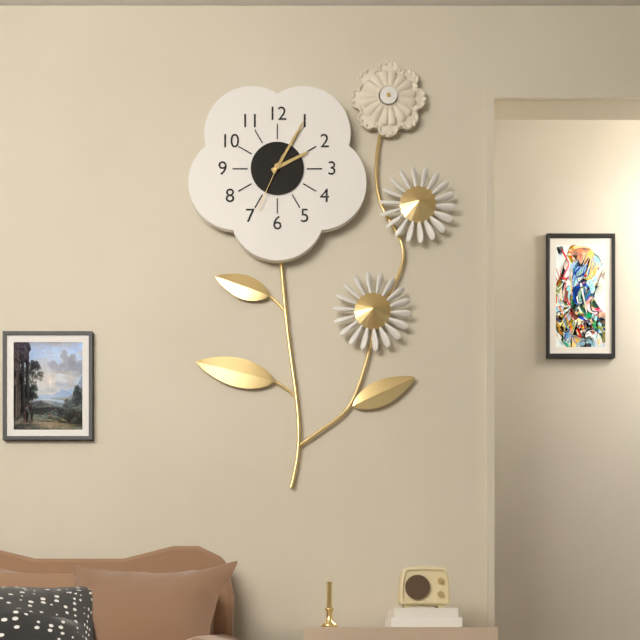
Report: 2:05:34
